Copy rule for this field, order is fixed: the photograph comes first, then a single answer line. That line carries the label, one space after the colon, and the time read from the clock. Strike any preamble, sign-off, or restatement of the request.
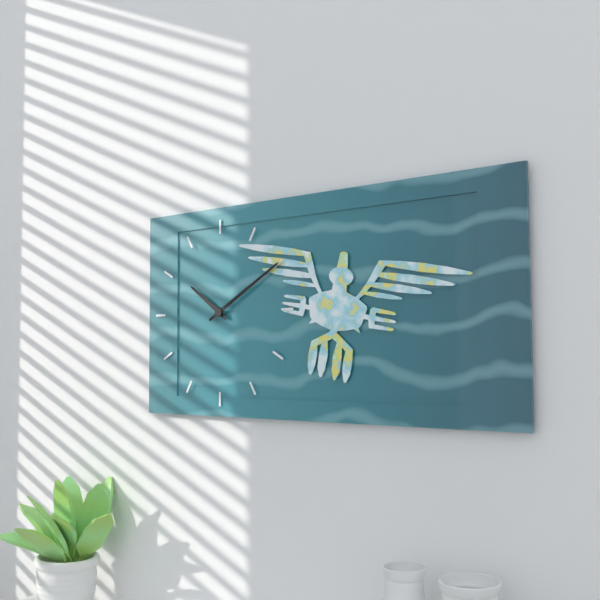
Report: 10:10
